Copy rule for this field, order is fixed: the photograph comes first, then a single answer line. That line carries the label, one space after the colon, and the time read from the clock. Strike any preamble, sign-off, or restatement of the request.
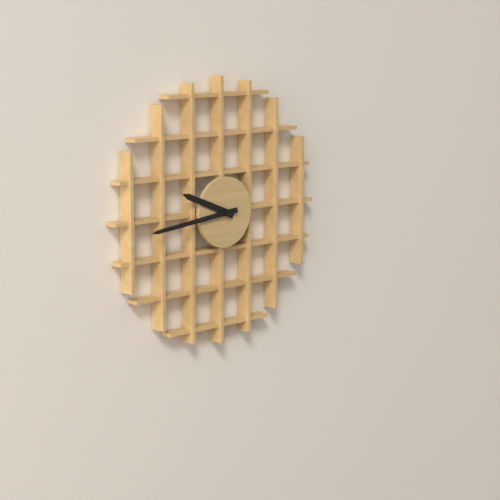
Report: 9:44
